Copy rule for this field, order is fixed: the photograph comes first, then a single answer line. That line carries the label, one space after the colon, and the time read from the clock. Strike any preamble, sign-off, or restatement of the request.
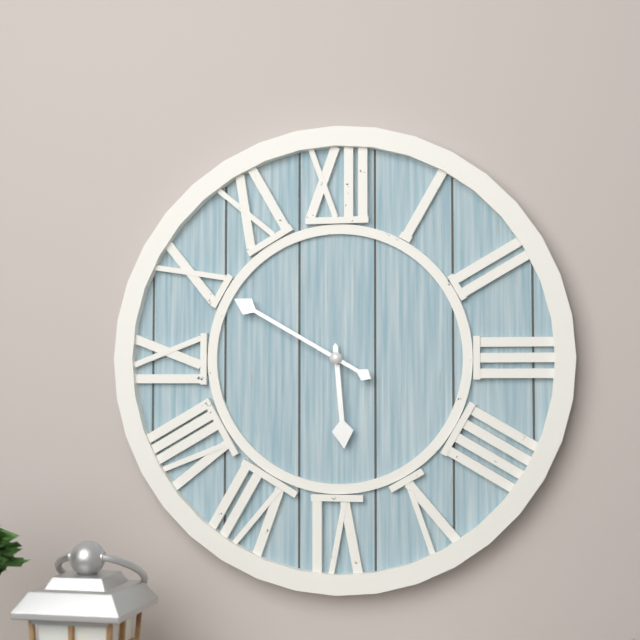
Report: 5:50
